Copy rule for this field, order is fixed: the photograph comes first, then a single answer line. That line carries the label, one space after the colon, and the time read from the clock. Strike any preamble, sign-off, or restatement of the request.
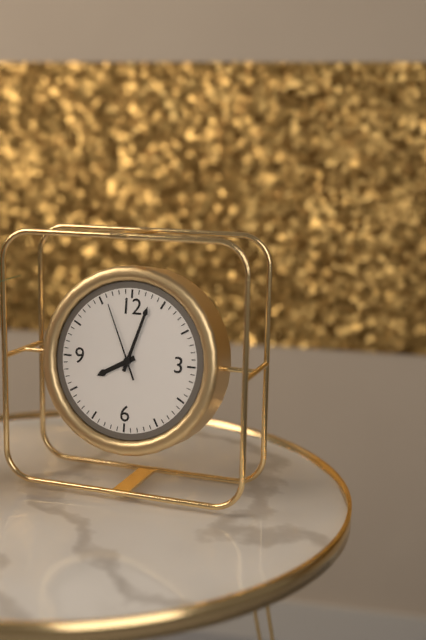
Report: 8:03:56
